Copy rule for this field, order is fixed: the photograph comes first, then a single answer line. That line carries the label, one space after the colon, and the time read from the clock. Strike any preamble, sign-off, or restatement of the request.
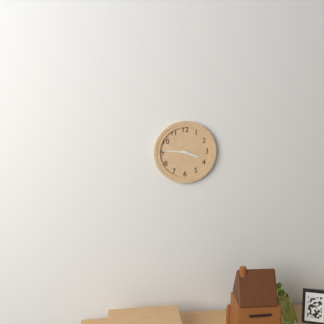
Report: 3:46
